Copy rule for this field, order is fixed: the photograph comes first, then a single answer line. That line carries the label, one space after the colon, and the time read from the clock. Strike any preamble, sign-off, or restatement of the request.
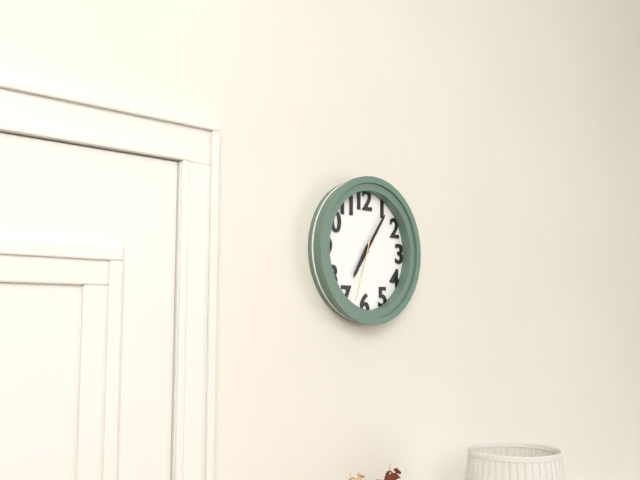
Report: 7:06:33
